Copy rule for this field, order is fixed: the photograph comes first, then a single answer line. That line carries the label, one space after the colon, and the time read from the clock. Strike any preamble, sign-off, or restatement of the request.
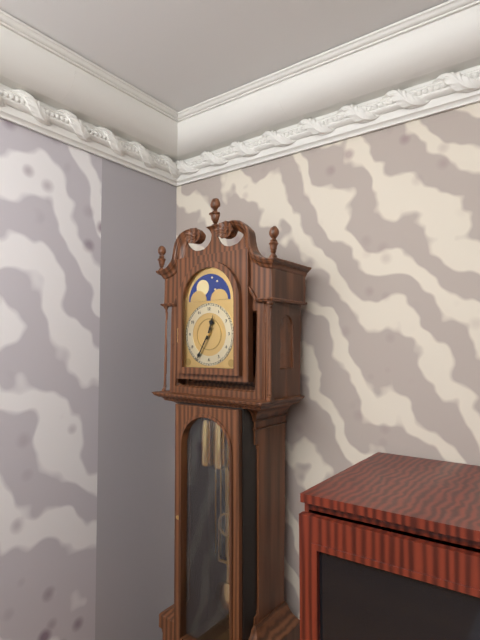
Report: 12:35
